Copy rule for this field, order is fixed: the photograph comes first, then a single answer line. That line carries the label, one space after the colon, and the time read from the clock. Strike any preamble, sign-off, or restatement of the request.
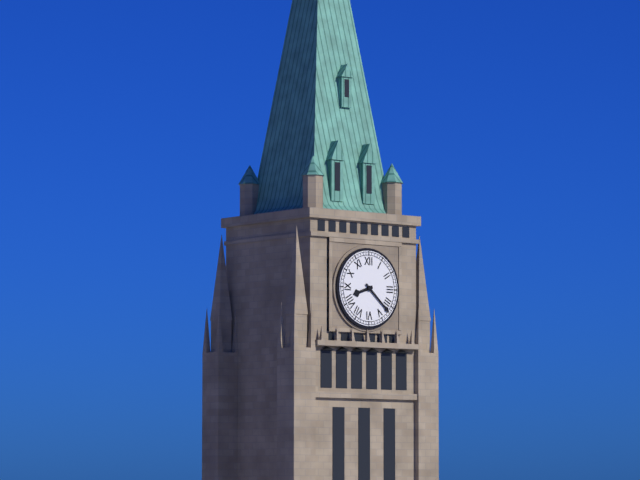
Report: 8:22
